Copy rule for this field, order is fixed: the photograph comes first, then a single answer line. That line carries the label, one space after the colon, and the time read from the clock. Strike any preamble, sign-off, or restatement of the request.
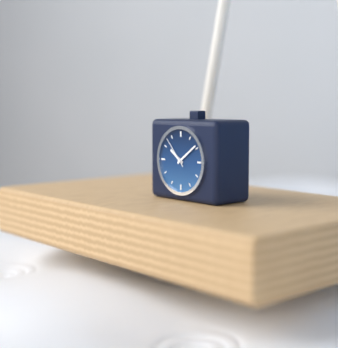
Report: 10:09
